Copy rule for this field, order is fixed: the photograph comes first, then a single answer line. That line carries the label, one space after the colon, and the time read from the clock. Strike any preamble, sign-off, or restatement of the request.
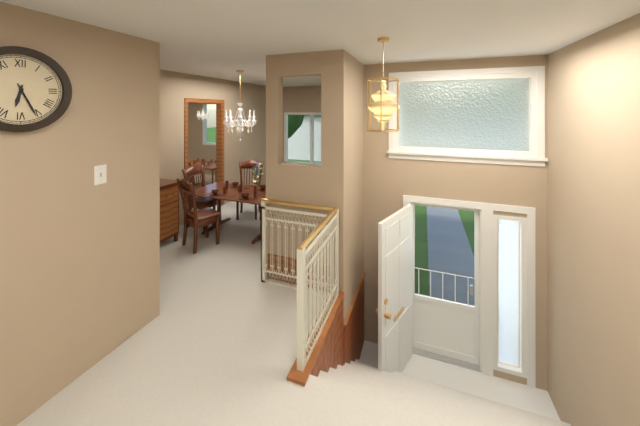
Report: 6:26
